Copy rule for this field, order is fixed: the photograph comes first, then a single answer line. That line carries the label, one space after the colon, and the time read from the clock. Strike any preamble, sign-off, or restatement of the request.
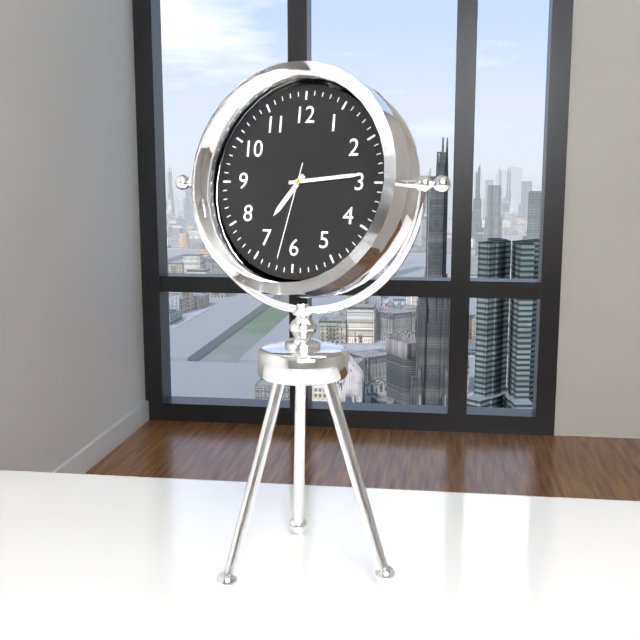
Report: 7:14:32
